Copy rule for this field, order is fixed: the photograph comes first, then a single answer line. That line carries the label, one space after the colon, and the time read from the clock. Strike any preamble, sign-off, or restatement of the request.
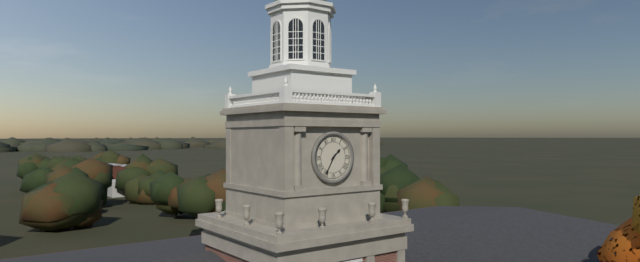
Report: 1:35
